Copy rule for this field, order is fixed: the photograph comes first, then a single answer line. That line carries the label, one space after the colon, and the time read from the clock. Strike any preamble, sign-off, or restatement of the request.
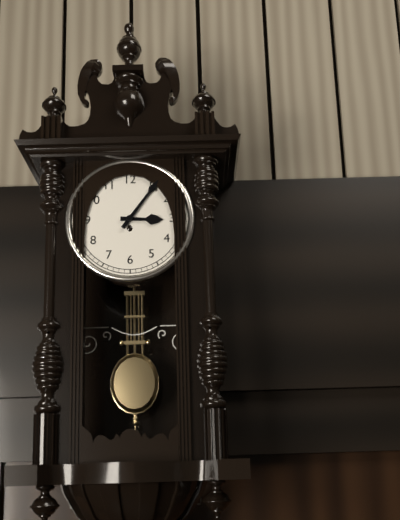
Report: 3:06
